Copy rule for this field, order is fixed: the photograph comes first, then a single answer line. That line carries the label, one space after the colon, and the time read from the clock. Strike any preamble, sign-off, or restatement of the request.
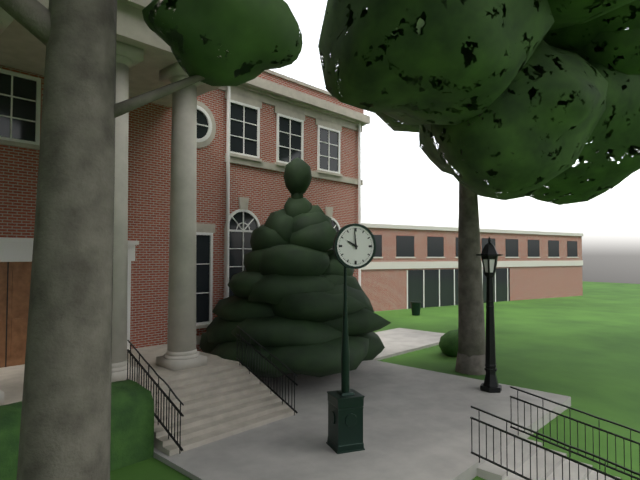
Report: 9:59
